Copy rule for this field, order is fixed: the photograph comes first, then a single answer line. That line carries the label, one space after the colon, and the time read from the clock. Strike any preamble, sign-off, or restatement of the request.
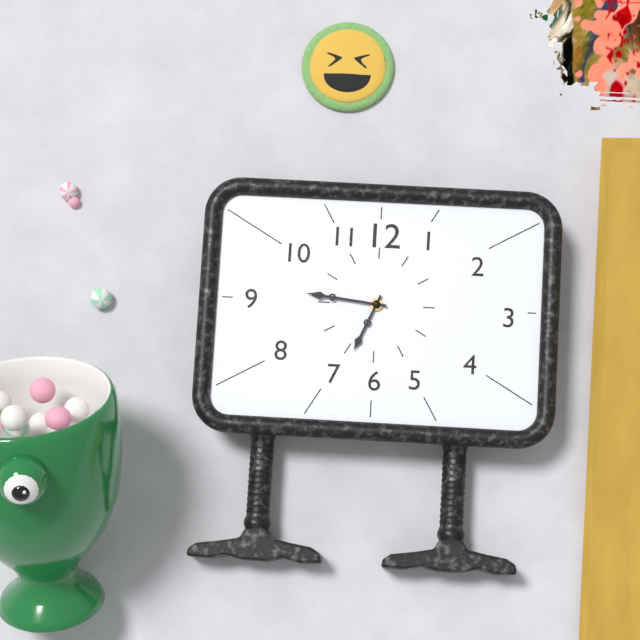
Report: 6:46
